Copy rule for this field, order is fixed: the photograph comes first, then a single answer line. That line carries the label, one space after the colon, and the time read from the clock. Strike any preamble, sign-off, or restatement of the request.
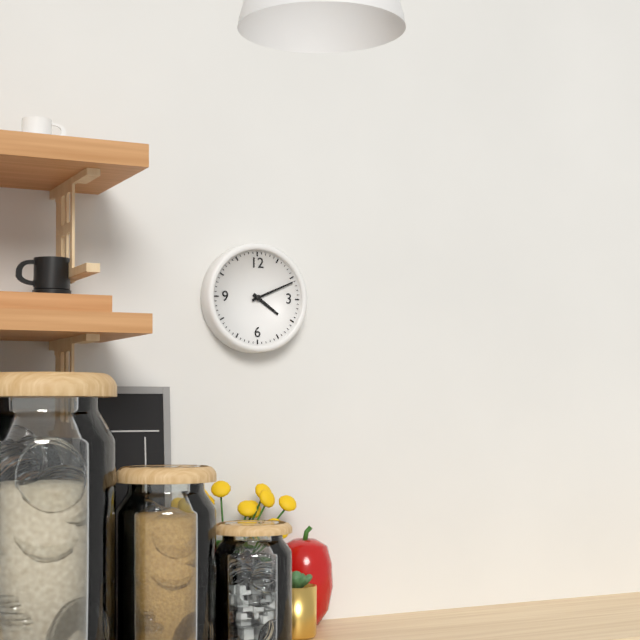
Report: 4:11
